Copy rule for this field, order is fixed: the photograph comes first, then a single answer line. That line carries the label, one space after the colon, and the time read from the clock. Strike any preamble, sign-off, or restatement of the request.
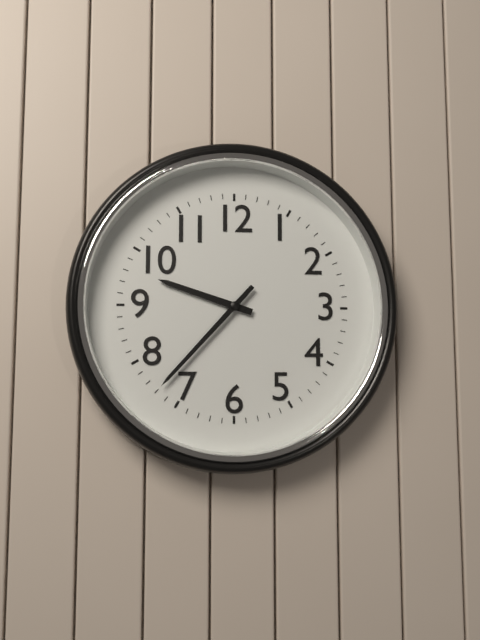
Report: 9:37
